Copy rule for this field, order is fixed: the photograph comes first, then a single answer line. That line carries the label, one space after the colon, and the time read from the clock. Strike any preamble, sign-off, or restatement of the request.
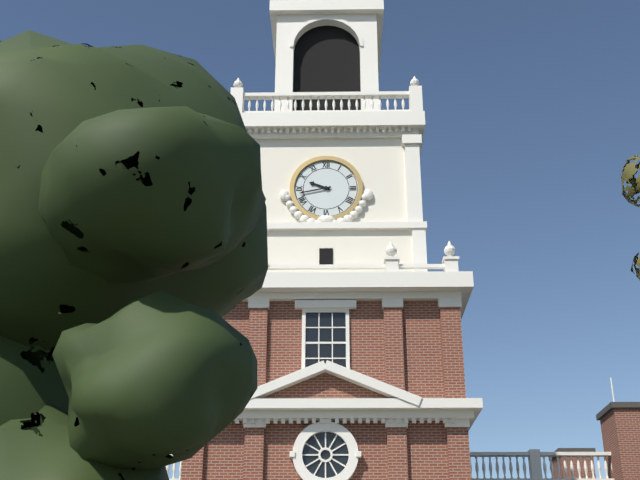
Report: 9:43
